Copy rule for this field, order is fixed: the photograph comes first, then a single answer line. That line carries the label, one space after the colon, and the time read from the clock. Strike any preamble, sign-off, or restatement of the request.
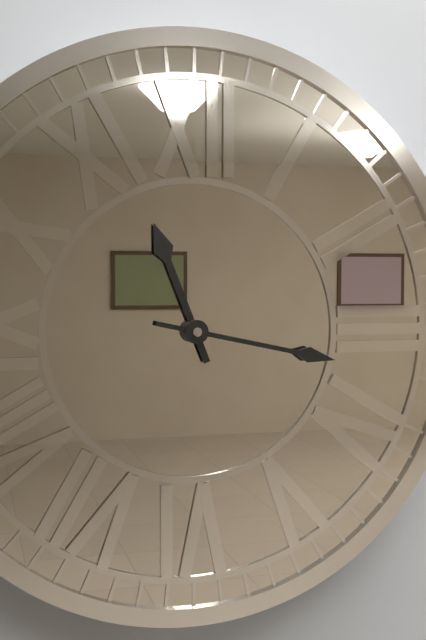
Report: 11:17
